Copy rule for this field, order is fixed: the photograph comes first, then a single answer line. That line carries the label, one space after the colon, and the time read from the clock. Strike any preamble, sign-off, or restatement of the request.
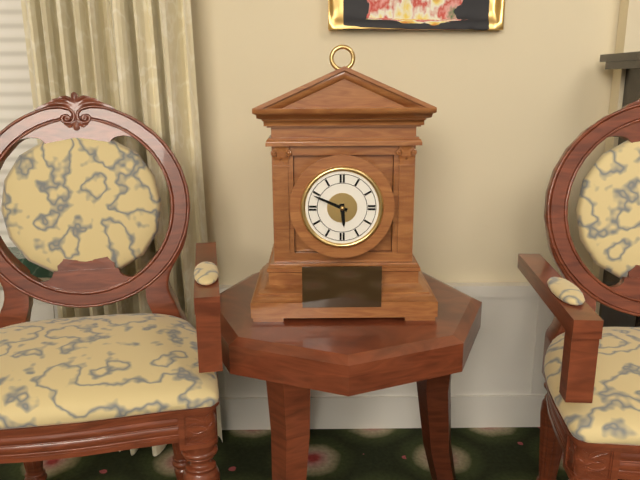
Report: 5:49
